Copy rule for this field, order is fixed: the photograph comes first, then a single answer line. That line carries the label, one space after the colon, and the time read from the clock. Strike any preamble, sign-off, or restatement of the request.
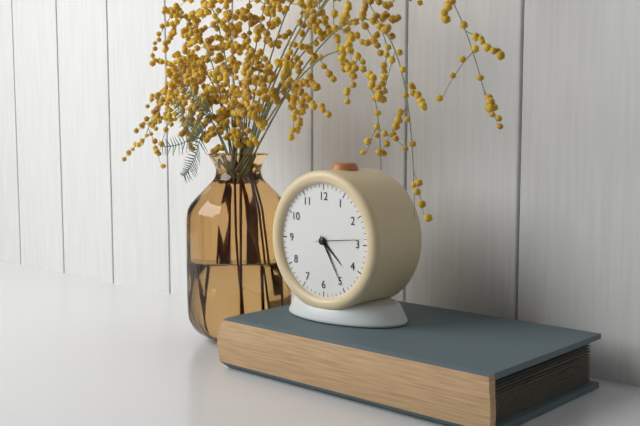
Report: 4:25
